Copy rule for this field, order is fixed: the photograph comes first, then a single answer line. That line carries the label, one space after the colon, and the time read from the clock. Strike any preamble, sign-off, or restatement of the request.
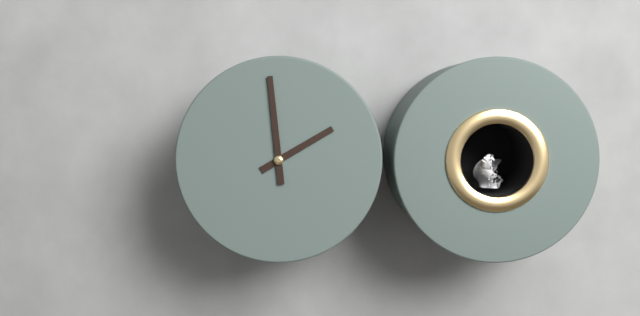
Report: 1:59
